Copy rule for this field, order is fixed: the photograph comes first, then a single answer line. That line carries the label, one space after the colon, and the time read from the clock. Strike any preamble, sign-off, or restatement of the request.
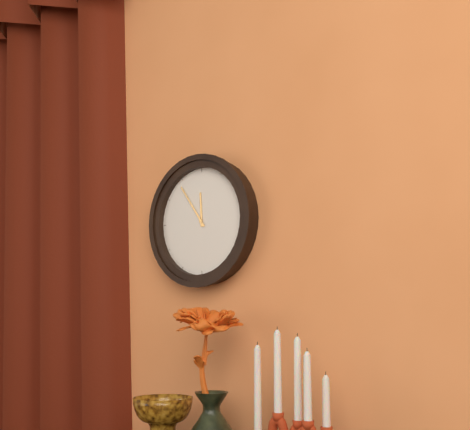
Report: 11:54
